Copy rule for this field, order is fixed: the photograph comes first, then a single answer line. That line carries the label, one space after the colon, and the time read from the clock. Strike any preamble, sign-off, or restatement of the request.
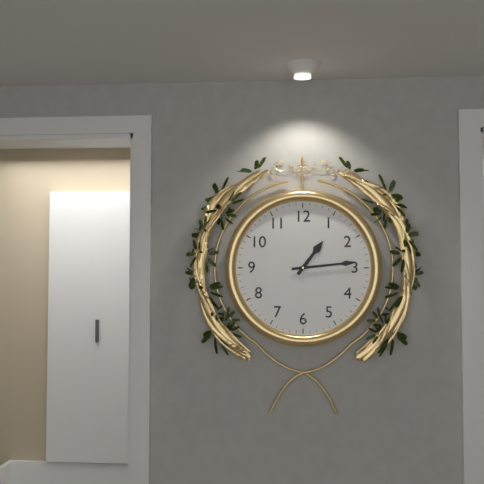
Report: 1:14
